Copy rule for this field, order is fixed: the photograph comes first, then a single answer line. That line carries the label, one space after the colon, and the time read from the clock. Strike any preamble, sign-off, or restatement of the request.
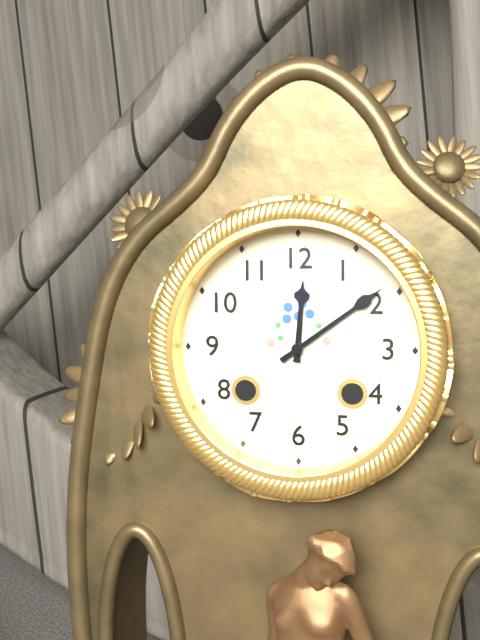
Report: 12:09
